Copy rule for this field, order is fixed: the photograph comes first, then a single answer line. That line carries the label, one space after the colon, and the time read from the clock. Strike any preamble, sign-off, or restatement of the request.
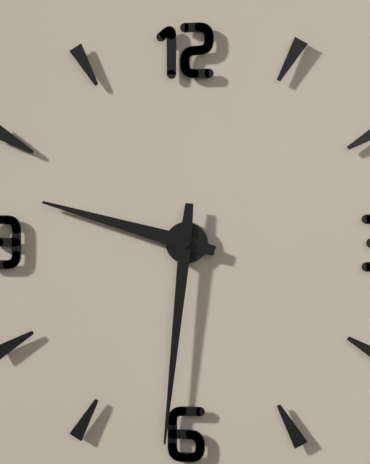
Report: 9:31
